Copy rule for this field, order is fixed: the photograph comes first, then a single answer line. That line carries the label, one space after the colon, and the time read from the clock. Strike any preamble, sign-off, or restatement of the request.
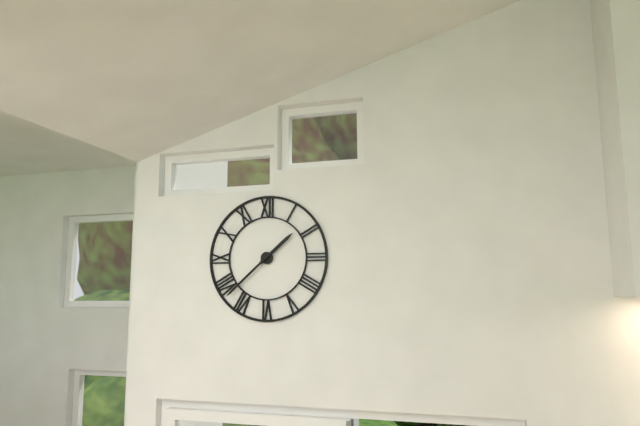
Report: 1:38
